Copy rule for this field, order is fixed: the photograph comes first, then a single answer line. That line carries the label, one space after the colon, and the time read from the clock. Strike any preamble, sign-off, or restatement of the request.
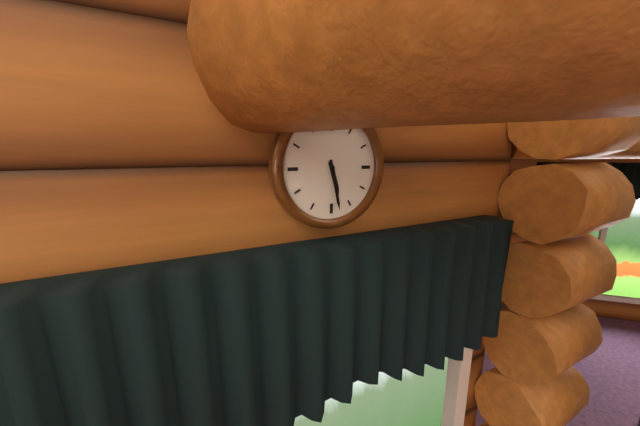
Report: 5:28
